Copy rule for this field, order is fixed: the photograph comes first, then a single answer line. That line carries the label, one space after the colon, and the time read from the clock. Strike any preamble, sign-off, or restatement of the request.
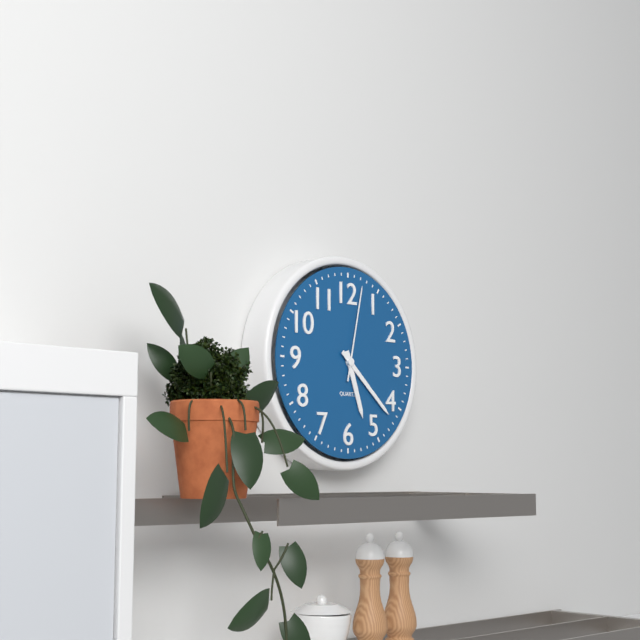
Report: 5:22:02
